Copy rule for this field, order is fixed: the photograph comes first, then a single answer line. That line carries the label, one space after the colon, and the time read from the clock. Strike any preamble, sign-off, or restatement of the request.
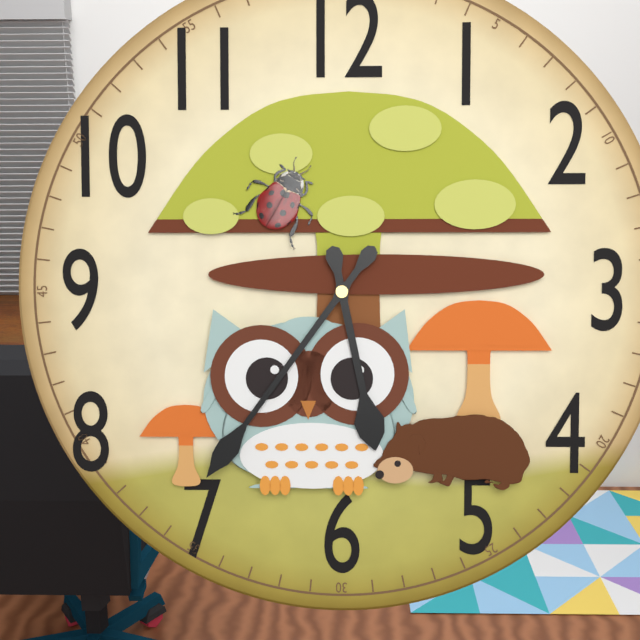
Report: 5:36
